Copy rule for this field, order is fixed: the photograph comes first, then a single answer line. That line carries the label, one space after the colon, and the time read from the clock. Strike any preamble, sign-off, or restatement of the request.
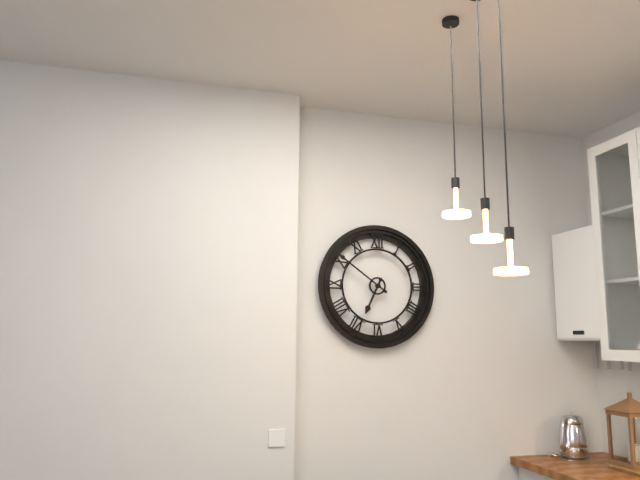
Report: 6:51
